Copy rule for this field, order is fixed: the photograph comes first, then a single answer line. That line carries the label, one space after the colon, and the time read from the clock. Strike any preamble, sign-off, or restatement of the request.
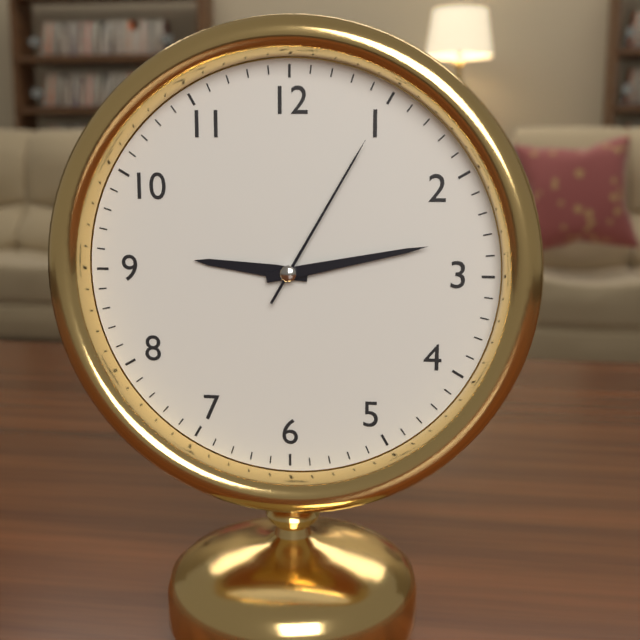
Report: 9:13:05
